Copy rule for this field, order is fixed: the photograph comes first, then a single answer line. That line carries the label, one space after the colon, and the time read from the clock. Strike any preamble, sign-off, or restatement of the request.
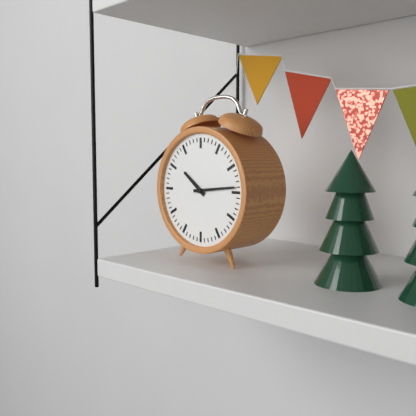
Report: 10:14
